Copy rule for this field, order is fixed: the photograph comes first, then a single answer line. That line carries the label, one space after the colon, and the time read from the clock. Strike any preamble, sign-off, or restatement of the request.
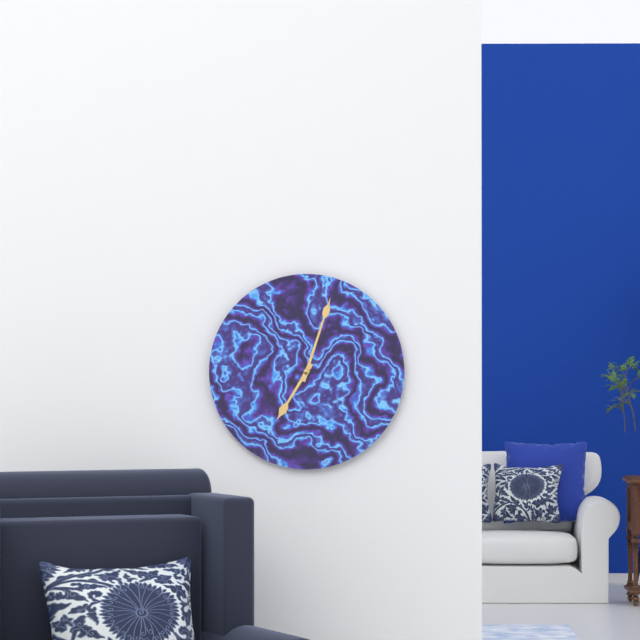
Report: 7:03
